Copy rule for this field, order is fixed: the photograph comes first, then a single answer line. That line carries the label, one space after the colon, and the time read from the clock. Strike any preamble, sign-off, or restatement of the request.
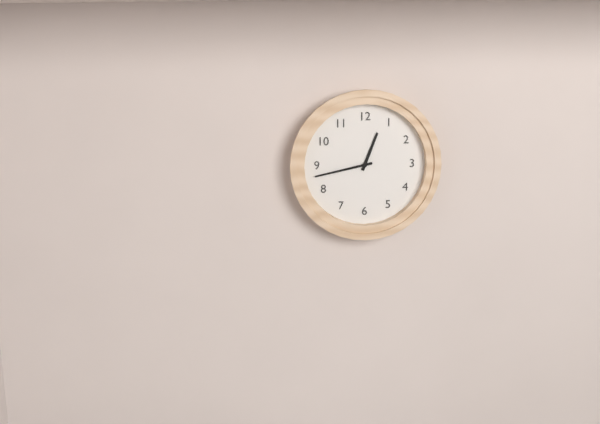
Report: 12:43
